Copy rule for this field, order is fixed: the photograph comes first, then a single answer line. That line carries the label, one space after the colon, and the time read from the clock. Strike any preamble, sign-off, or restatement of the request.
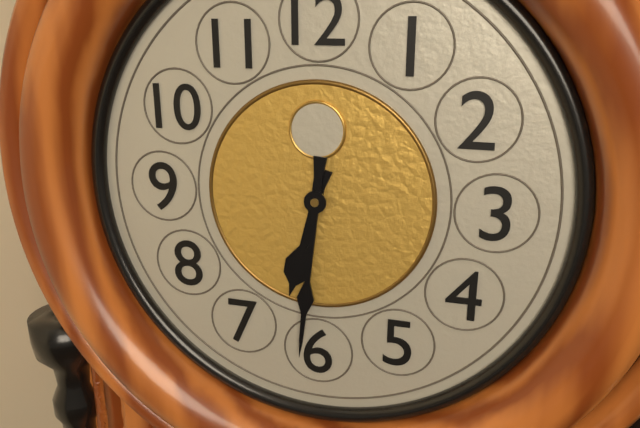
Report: 6:31
